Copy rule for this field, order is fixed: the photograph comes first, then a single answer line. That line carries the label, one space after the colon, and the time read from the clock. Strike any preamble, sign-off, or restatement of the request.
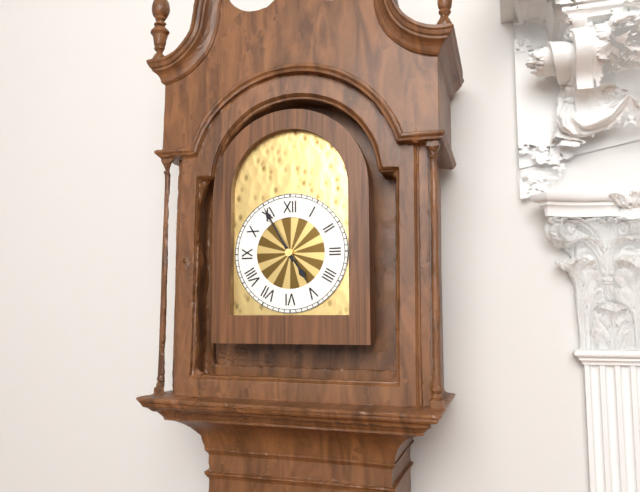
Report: 4:55
